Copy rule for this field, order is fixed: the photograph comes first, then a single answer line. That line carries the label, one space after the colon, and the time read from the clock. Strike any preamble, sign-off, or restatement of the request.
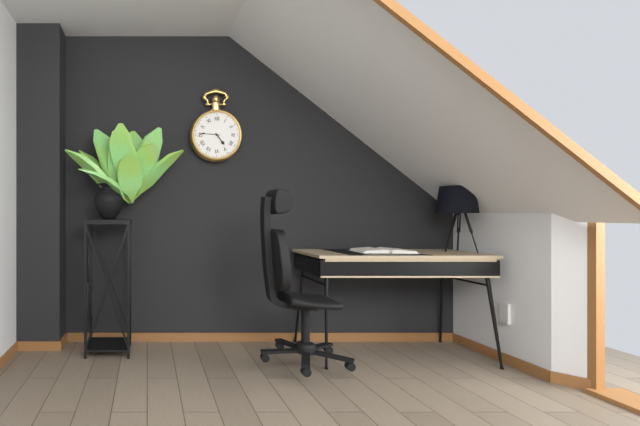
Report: 4:46
